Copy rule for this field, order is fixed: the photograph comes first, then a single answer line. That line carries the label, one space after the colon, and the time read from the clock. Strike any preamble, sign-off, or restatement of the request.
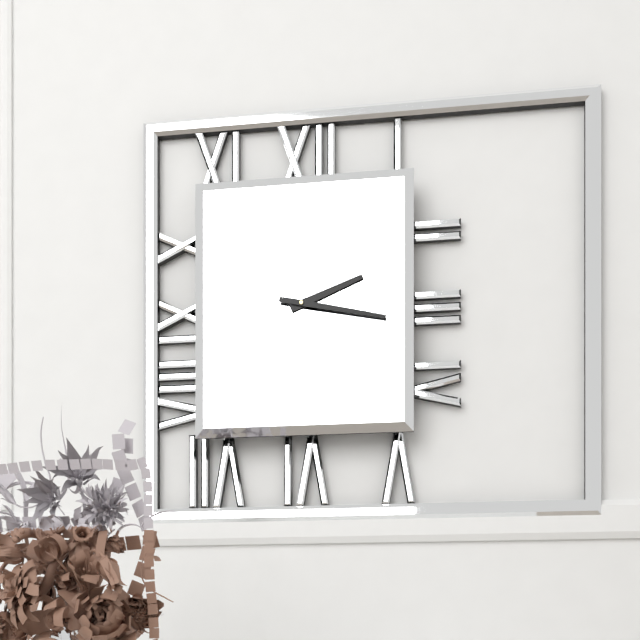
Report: 2:17
